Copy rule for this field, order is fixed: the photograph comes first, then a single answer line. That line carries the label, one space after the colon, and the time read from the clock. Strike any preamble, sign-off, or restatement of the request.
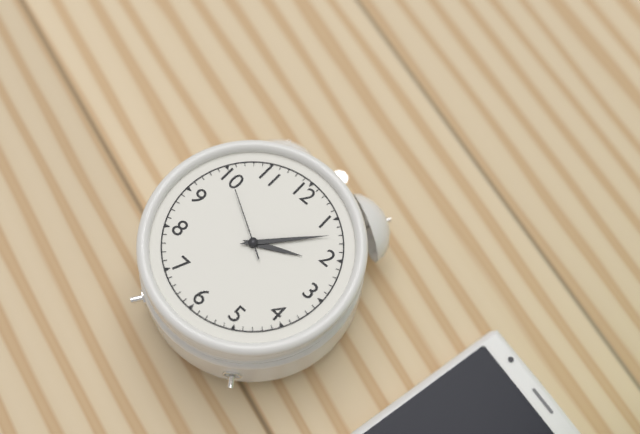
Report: 2:07:50
